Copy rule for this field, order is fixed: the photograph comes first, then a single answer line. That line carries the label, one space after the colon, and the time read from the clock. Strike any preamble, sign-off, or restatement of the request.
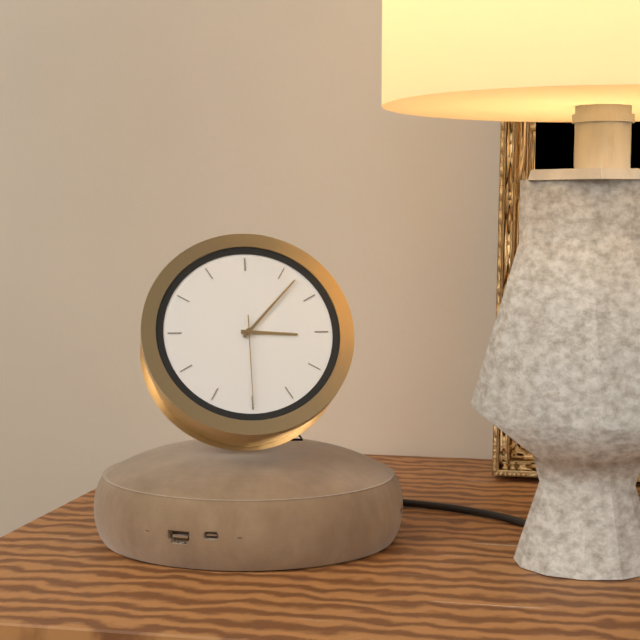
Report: 3:07:30
